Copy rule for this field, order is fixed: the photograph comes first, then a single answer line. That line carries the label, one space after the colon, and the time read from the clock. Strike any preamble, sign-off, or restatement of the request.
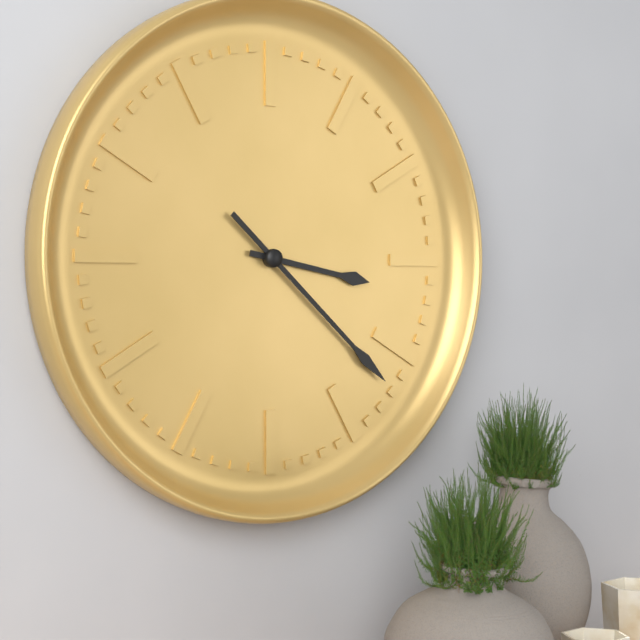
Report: 3:22
